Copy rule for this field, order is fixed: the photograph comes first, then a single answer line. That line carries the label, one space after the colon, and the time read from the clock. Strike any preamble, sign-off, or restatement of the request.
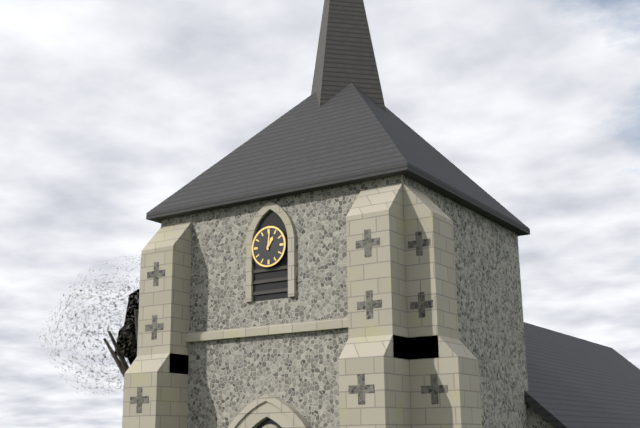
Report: 1:01
